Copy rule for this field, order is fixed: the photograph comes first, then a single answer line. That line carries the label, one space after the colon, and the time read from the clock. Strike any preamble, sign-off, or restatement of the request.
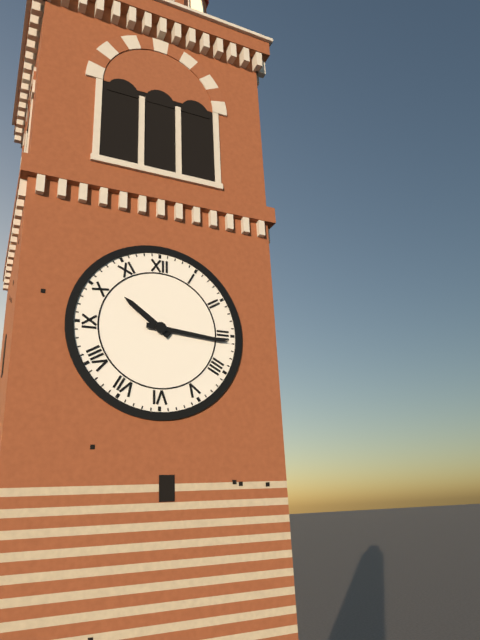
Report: 10:16
